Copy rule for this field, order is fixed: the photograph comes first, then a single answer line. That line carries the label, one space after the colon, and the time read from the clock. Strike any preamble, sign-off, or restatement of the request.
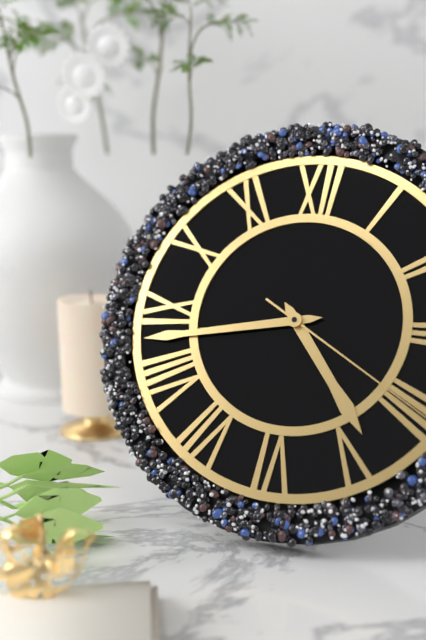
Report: 4:43
